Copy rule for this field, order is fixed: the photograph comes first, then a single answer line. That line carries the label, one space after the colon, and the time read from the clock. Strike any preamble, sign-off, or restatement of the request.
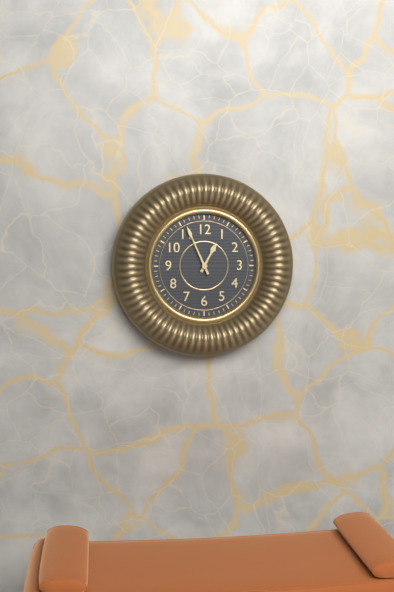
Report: 12:56
